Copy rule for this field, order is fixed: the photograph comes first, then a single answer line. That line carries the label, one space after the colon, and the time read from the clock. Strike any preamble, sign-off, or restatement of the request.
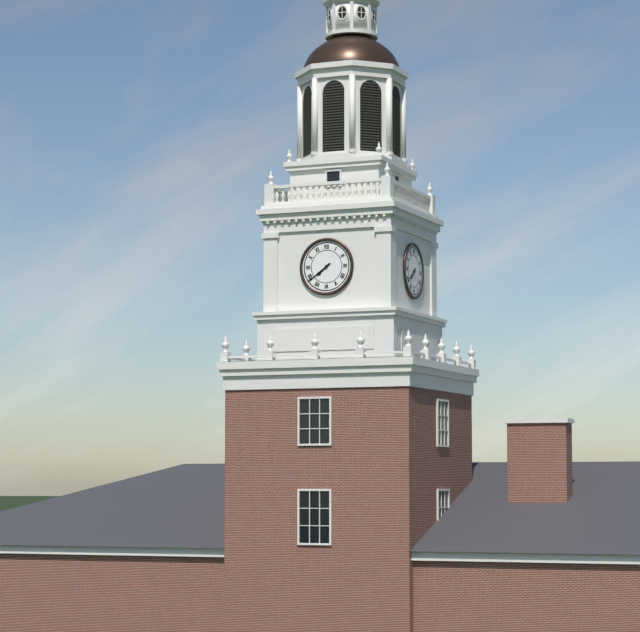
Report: 7:39
